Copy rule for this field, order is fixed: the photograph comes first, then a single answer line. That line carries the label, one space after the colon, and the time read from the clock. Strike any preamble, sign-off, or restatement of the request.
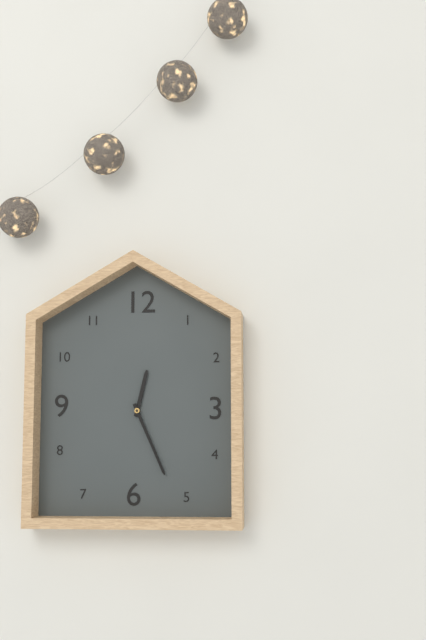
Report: 12:26
